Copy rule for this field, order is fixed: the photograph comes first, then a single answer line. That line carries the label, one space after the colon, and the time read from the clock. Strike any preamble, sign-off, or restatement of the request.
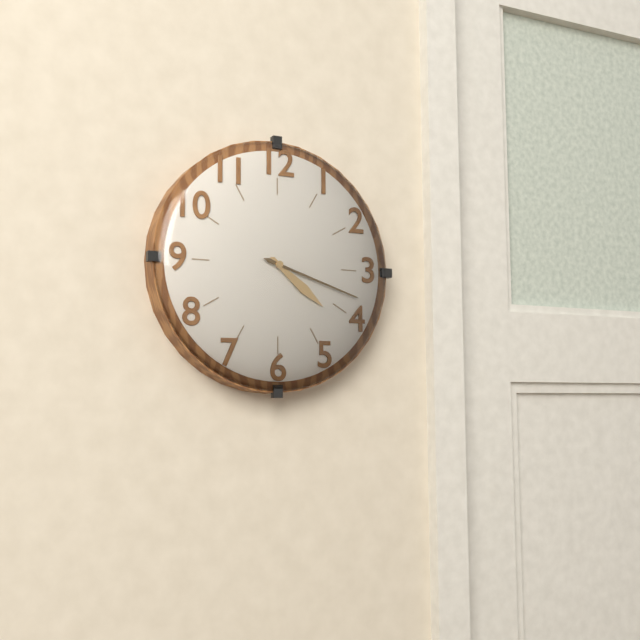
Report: 4:18
